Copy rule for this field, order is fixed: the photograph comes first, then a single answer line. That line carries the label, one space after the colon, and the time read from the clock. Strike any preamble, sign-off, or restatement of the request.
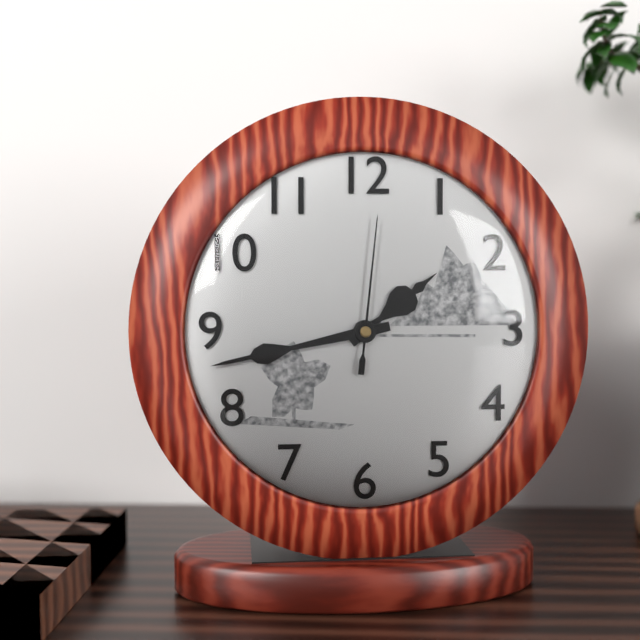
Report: 1:43:01
